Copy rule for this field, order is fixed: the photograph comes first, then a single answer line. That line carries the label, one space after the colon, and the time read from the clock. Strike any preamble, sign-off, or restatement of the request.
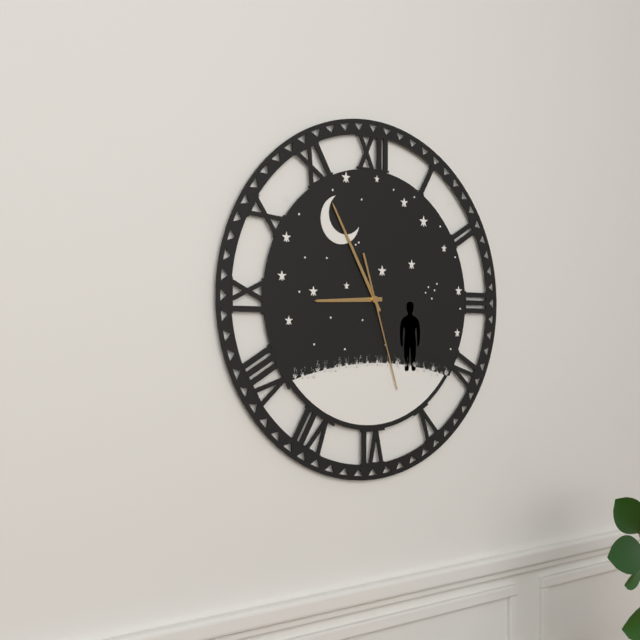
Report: 8:55:27
